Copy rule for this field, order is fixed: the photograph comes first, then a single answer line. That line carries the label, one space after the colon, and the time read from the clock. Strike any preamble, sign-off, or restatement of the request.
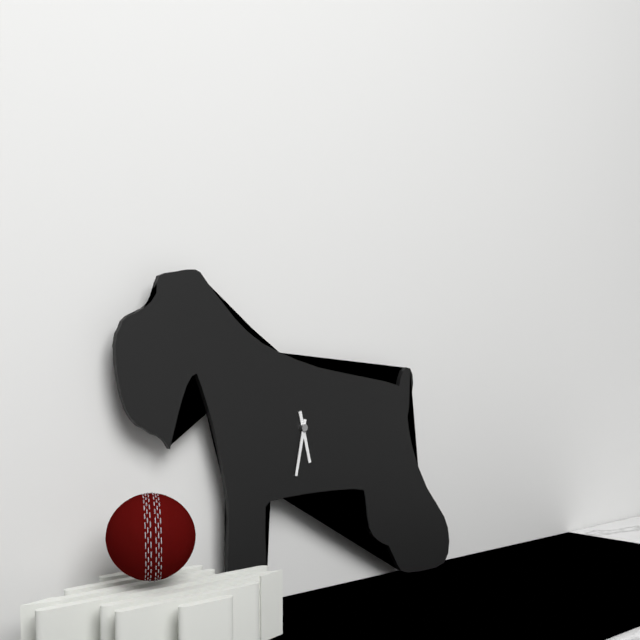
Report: 5:32
